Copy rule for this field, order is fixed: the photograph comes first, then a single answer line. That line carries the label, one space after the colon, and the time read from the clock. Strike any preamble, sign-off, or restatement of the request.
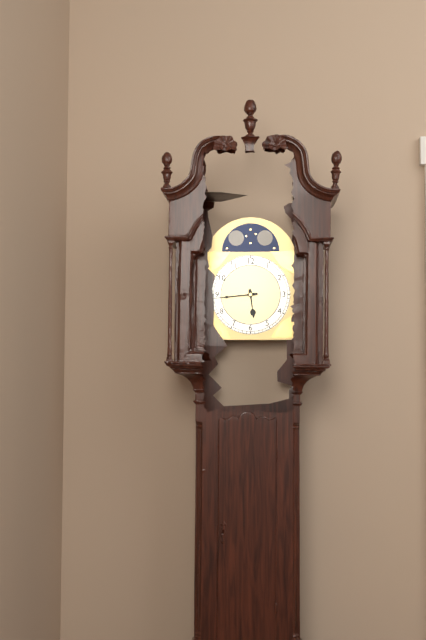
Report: 5:44
